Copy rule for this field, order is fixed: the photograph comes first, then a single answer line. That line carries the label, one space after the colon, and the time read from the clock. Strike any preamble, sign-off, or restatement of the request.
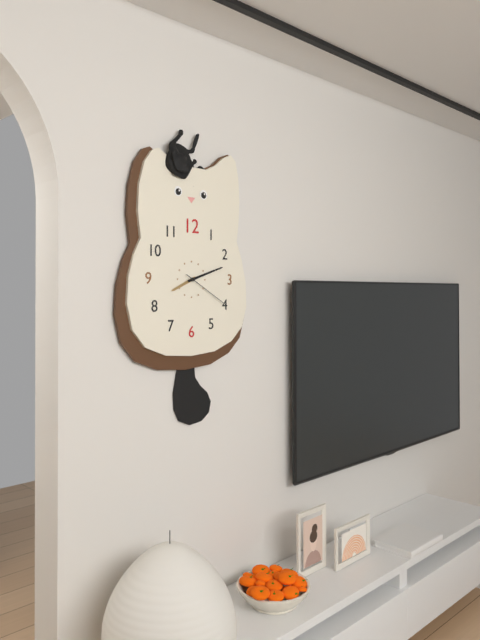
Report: 8:12:20
